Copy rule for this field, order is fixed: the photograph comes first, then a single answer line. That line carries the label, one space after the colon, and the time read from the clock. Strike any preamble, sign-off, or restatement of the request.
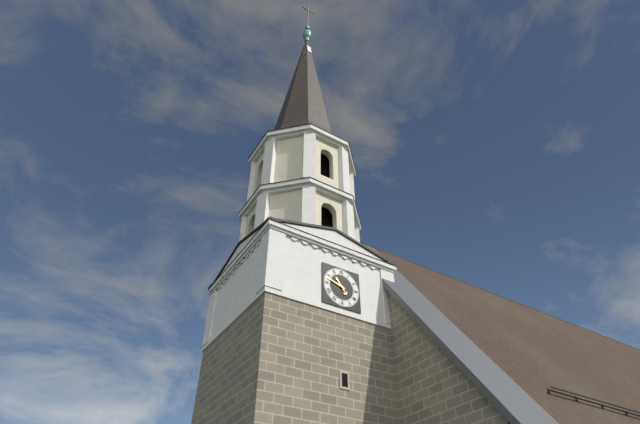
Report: 10:48
